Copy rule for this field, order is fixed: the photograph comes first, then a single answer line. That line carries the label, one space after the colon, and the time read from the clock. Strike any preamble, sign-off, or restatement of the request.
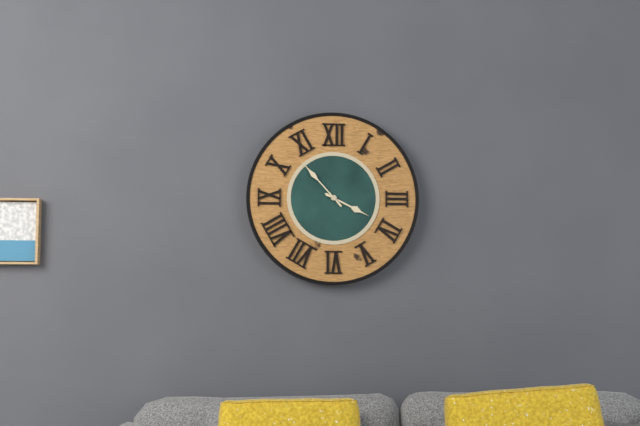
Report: 3:53
